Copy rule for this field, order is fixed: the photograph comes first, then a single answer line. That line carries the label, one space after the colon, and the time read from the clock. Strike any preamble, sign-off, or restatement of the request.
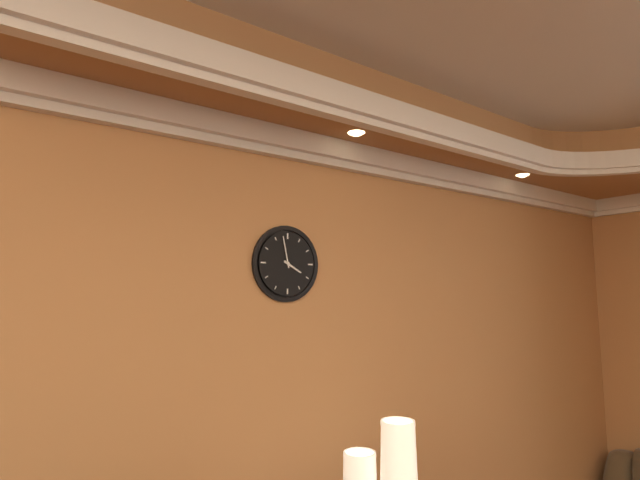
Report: 3:58
